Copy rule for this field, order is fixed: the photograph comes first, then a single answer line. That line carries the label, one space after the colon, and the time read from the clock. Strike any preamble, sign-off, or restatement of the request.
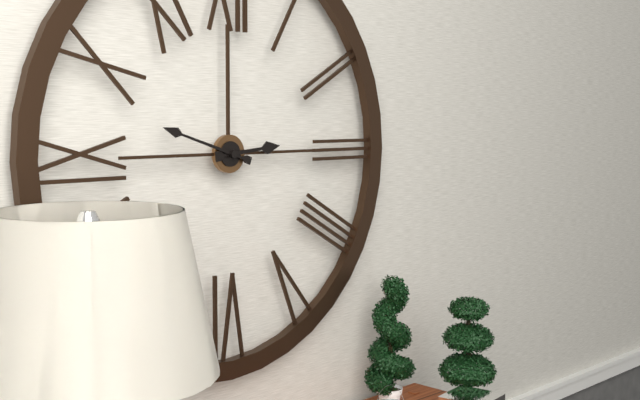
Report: 2:48
